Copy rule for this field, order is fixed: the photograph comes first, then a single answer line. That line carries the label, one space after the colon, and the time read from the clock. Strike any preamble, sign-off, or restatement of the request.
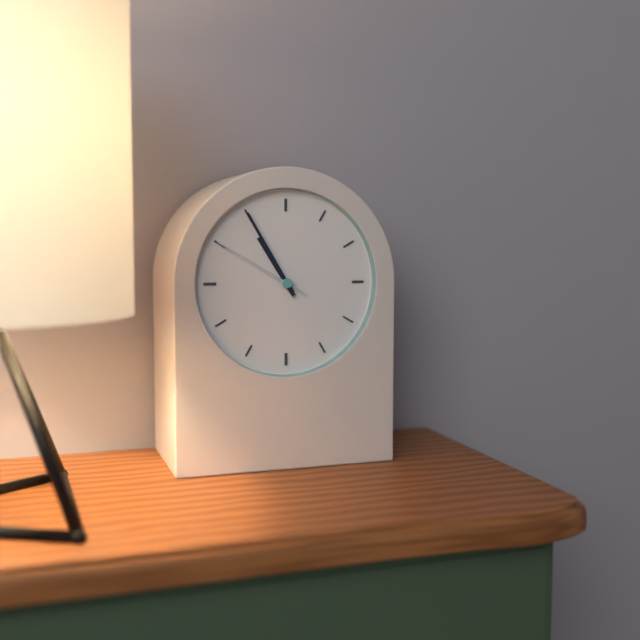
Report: 10:55:50
